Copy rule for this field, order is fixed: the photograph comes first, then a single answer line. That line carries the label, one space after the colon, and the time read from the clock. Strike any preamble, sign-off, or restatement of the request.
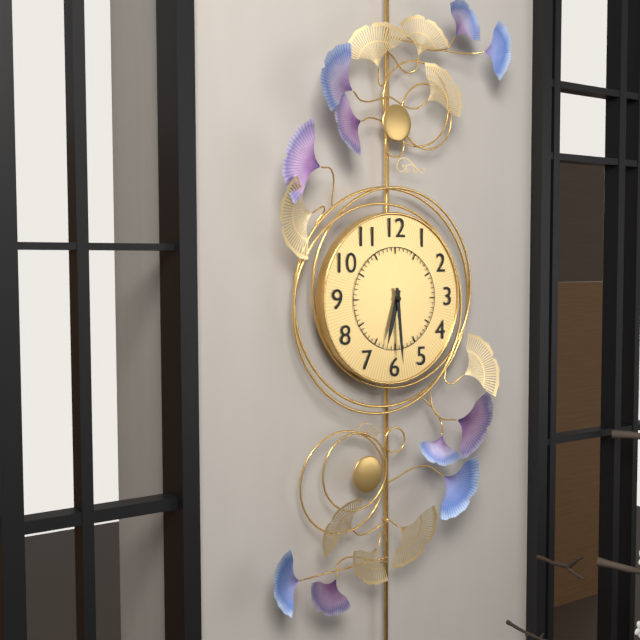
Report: 6:29
